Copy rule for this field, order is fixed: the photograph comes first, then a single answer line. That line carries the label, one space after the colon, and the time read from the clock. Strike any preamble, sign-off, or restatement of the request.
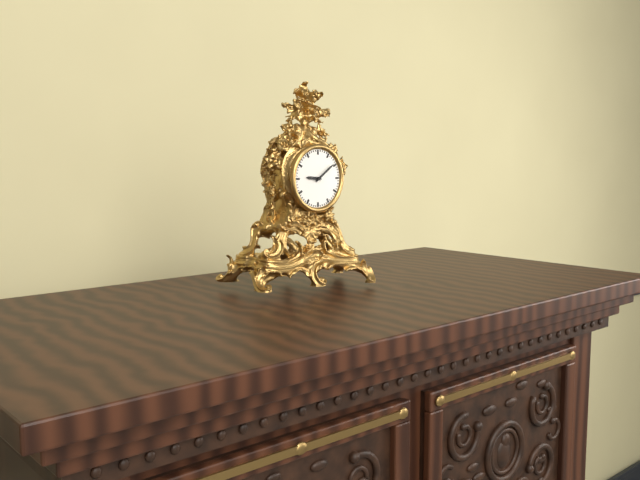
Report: 9:09
